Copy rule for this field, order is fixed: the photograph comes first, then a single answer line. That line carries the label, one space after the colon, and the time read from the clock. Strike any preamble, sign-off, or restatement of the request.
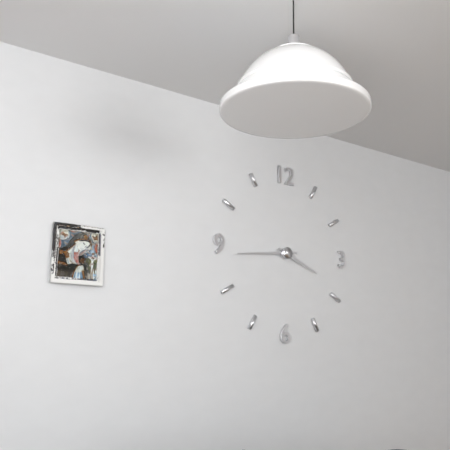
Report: 3:44
